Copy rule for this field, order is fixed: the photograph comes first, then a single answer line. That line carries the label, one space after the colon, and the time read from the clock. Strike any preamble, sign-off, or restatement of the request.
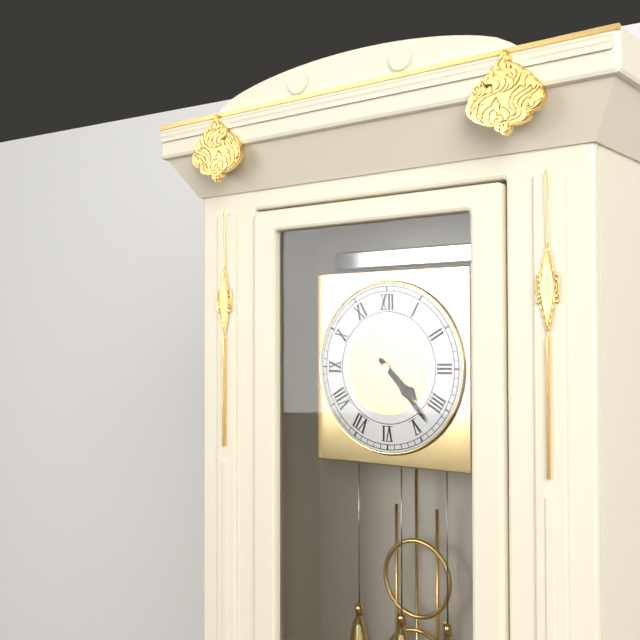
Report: 4:23
